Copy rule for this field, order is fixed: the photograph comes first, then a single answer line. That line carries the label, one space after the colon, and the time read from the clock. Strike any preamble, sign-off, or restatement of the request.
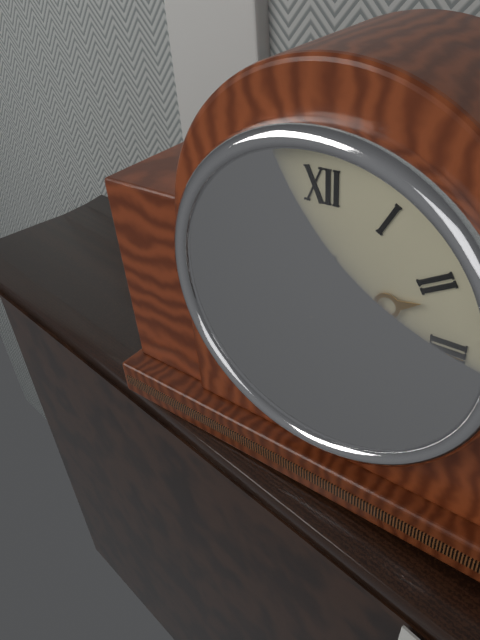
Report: 2:15
